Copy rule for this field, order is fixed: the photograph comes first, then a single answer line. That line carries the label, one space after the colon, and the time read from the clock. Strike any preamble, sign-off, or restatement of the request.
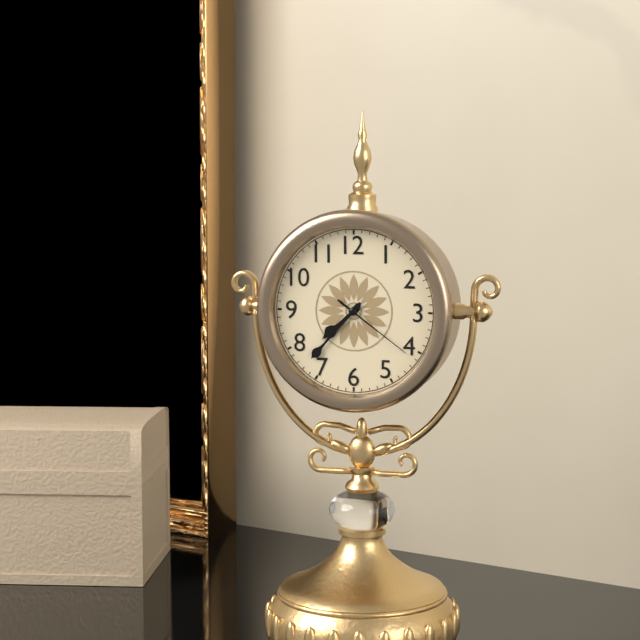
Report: 7:37:21
